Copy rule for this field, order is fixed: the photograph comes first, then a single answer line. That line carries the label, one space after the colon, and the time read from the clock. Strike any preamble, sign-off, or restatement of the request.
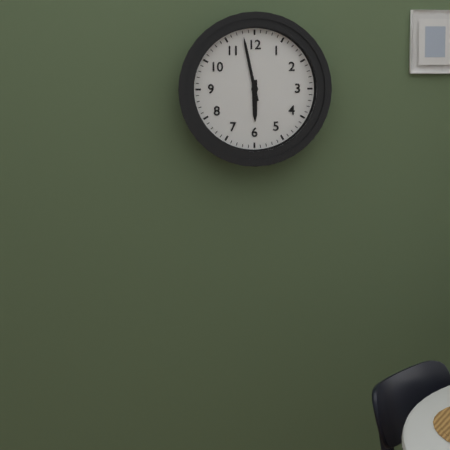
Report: 5:58
